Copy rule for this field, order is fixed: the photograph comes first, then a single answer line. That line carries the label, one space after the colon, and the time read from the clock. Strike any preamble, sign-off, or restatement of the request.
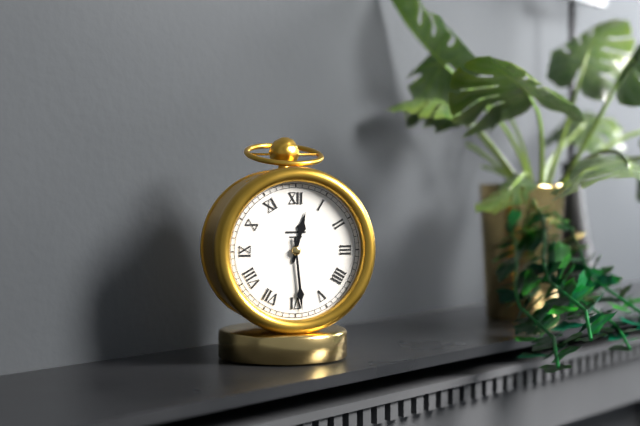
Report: 12:29
